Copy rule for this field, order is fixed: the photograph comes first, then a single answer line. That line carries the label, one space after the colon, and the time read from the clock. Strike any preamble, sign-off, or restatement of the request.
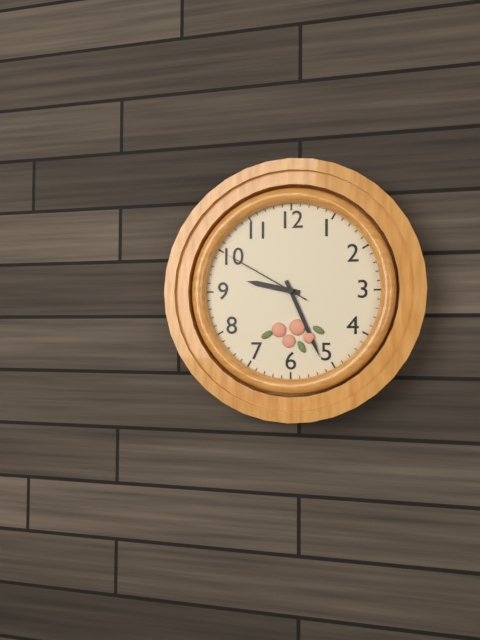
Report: 9:26:50
